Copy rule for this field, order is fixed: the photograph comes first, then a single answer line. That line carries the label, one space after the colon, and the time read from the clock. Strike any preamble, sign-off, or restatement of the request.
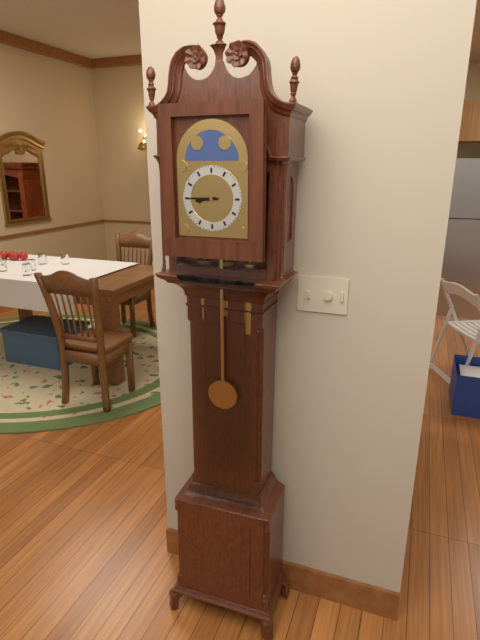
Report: 8:45
